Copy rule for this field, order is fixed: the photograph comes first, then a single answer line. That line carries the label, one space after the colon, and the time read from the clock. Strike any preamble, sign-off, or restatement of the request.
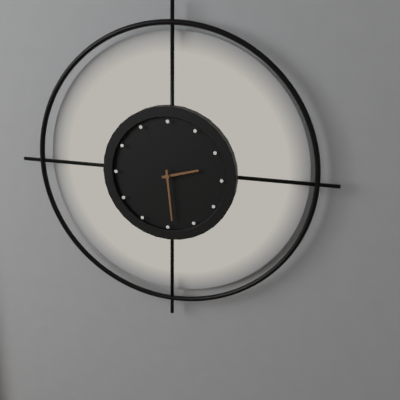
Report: 2:29
